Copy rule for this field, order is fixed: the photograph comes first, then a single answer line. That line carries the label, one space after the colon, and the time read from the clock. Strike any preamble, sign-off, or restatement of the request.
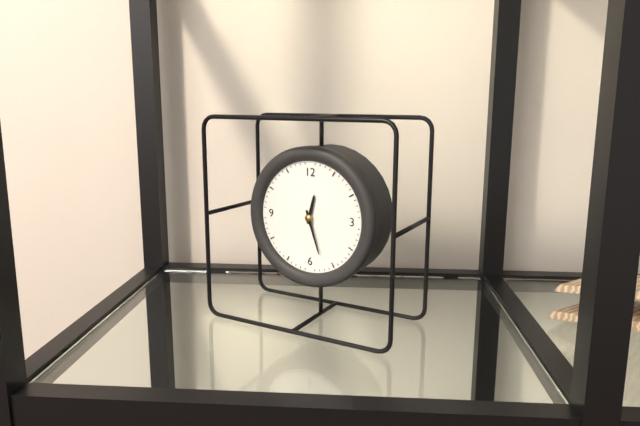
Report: 12:27
